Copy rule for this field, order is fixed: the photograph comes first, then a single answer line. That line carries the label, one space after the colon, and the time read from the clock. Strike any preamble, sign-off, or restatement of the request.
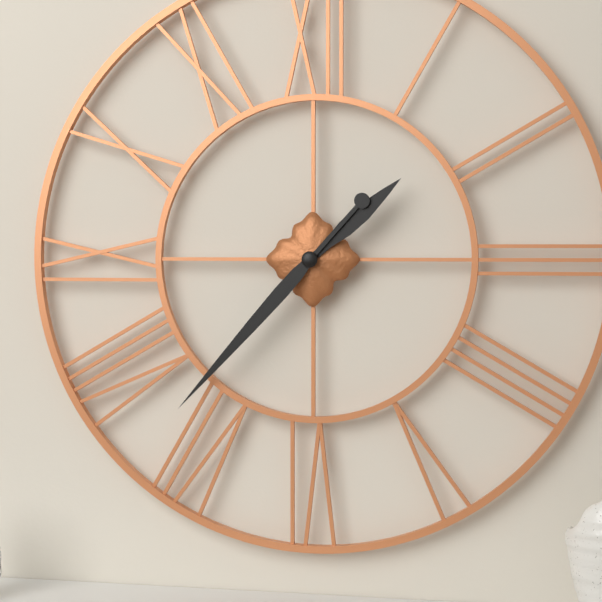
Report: 1:37
